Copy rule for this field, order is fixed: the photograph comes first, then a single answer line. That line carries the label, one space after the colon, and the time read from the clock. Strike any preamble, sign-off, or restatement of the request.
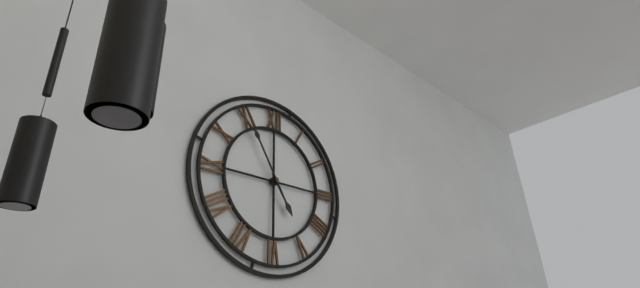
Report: 4:55
